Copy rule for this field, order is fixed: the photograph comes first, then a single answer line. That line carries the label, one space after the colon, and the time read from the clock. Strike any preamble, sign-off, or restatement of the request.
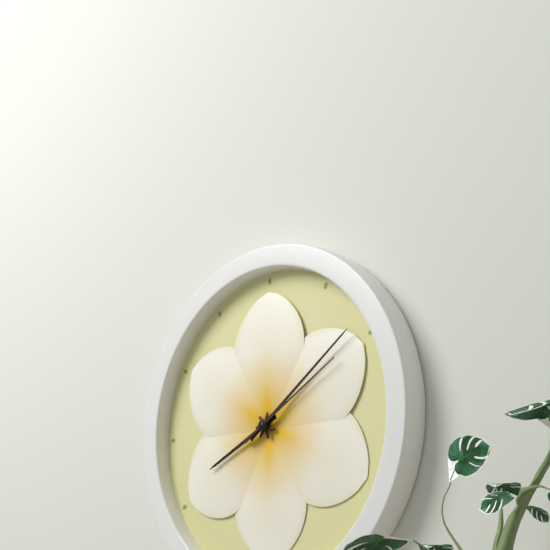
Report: 8:09:10
